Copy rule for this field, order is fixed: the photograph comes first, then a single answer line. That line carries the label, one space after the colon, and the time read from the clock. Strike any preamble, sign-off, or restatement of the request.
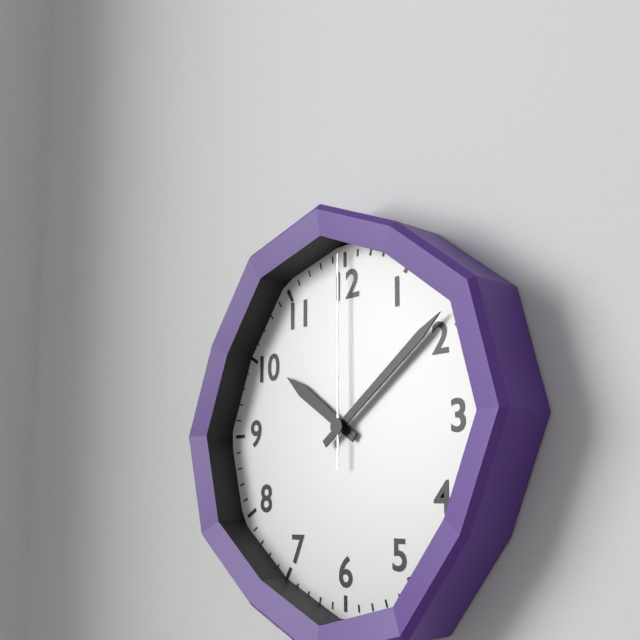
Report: 10:09:00
